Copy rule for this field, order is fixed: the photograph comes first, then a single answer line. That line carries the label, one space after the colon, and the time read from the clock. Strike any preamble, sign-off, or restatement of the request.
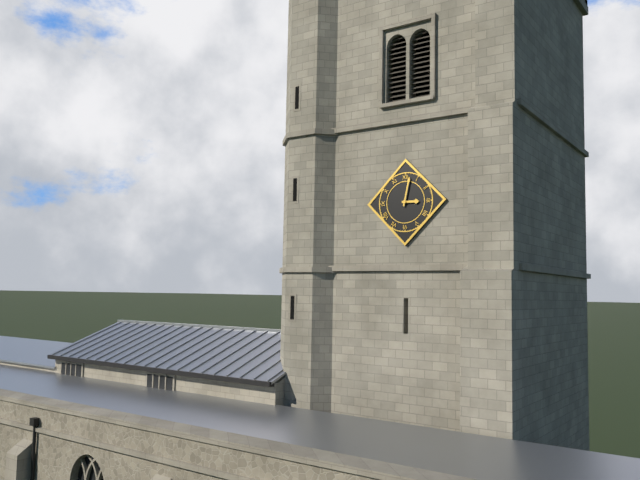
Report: 3:02
